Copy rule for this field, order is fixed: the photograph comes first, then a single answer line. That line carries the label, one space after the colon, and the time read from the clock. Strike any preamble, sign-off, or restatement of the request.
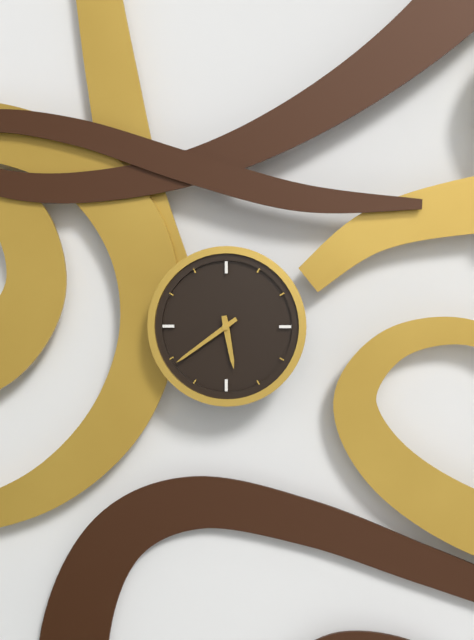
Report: 5:39
